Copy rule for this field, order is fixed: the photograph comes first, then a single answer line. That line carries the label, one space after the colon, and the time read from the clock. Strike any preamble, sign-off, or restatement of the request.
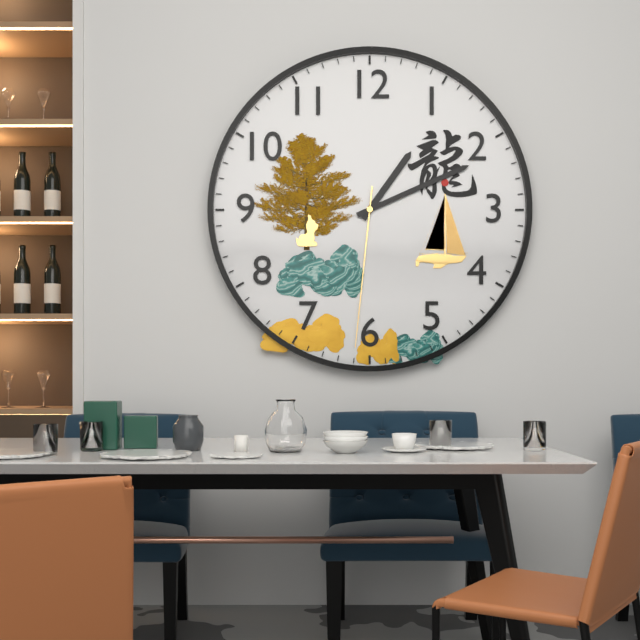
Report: 1:11:31
